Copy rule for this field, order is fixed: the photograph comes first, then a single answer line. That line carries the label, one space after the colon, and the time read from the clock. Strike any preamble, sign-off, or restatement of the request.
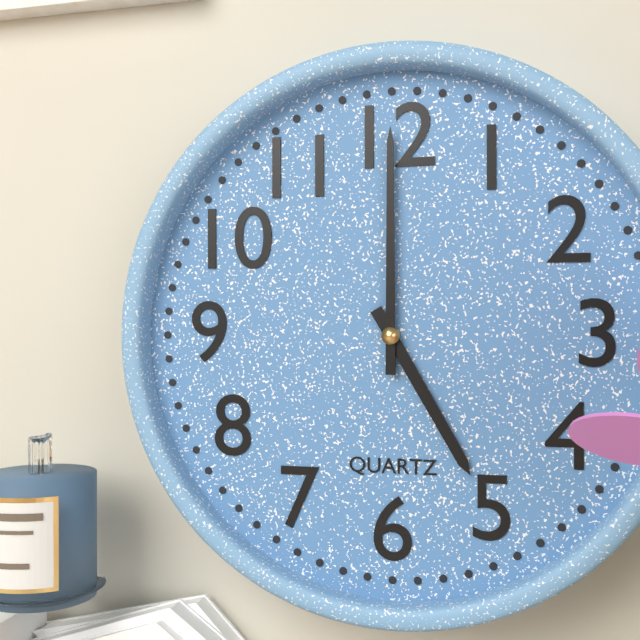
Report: 5:00
